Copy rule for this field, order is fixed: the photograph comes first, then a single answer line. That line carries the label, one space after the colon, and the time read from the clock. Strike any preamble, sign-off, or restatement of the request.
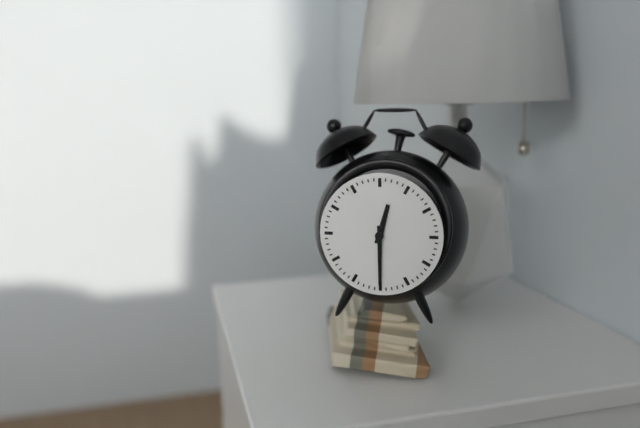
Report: 12:30
